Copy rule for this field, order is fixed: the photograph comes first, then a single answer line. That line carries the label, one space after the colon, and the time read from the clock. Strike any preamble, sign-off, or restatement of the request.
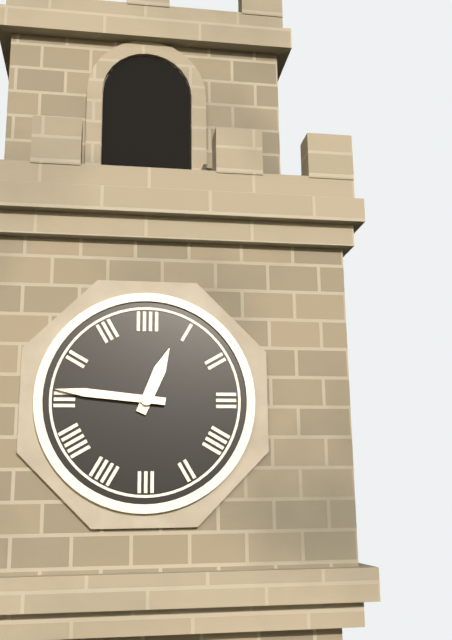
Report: 12:46
